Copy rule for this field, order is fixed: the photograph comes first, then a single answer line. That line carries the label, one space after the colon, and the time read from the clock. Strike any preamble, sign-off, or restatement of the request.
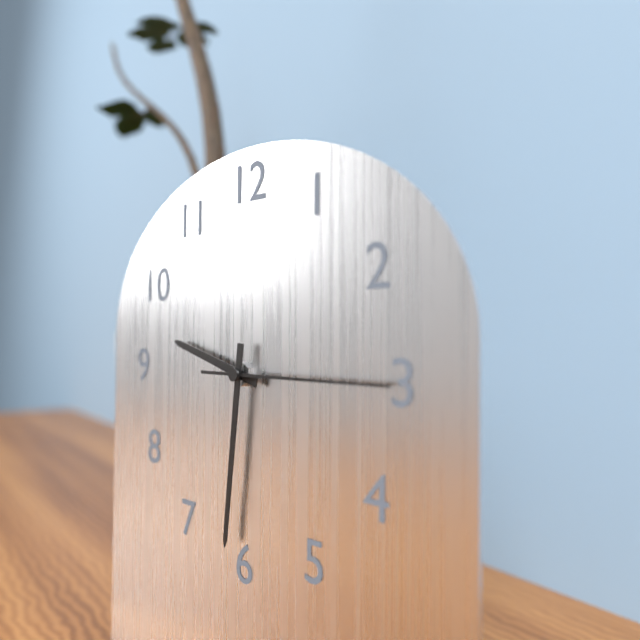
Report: 9:31:15
